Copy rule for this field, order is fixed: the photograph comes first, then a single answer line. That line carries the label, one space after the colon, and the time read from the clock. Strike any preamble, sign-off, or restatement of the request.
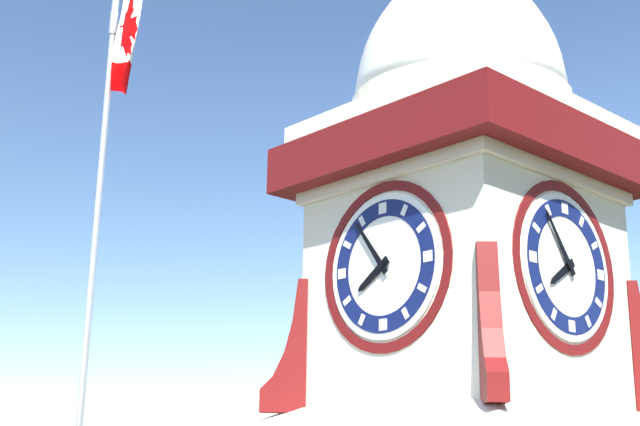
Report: 7:54
